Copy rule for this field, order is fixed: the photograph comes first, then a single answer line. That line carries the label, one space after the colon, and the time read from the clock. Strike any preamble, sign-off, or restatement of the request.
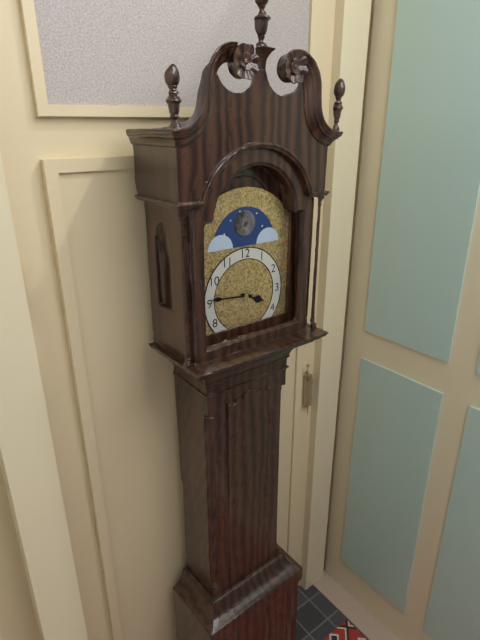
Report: 3:46
